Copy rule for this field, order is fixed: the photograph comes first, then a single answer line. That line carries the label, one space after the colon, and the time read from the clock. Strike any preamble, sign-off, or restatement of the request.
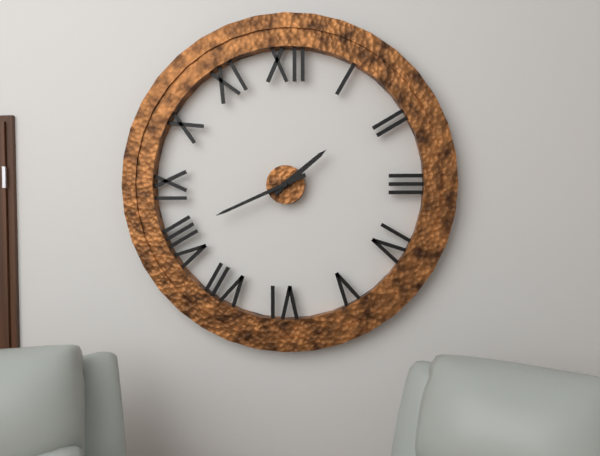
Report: 1:41
